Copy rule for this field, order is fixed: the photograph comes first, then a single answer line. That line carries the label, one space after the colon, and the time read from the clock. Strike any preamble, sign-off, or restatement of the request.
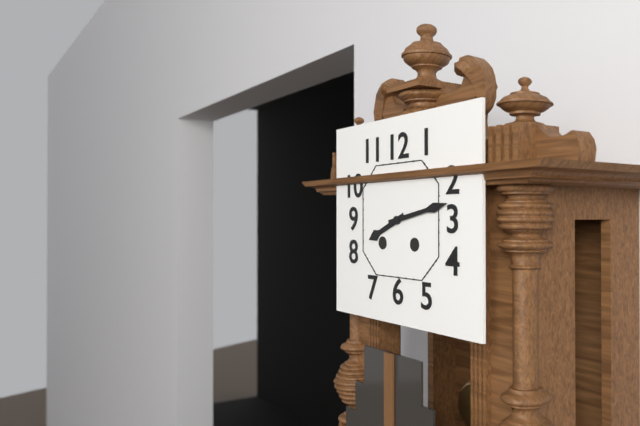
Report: 8:13
